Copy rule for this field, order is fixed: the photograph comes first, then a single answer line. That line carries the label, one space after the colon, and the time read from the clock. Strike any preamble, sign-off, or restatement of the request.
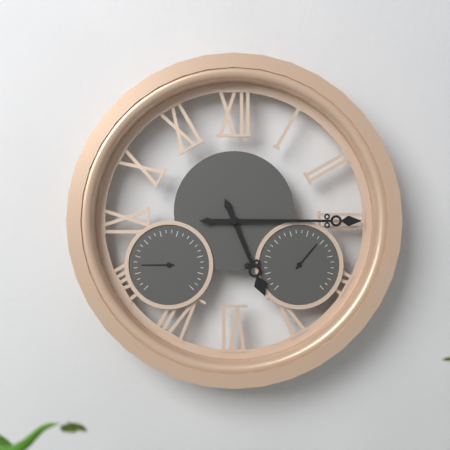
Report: 5:15
